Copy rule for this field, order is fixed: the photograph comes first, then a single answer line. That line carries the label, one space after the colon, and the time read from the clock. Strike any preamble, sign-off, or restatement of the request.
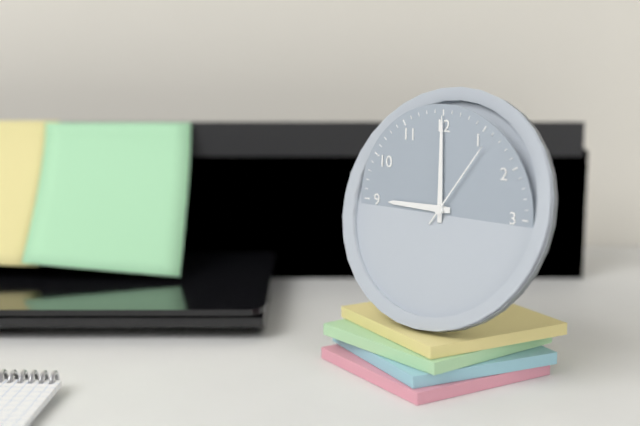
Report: 9:00:06
